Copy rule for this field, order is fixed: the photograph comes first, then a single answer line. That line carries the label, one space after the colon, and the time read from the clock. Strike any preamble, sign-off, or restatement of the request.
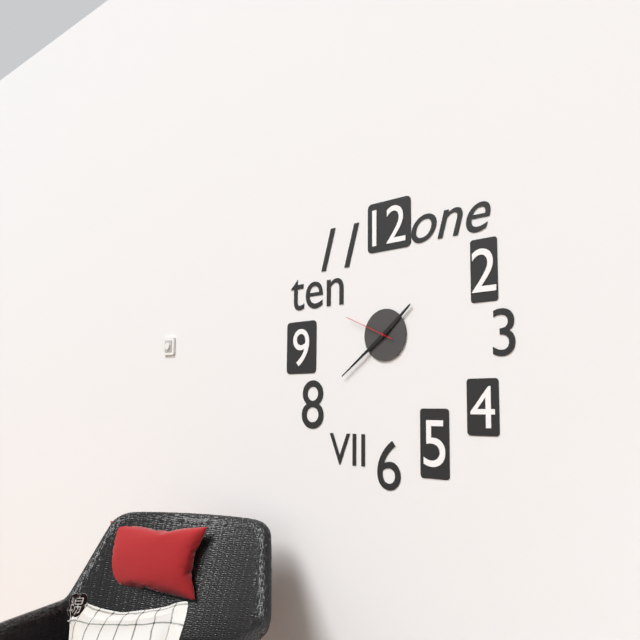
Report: 1:39:49
